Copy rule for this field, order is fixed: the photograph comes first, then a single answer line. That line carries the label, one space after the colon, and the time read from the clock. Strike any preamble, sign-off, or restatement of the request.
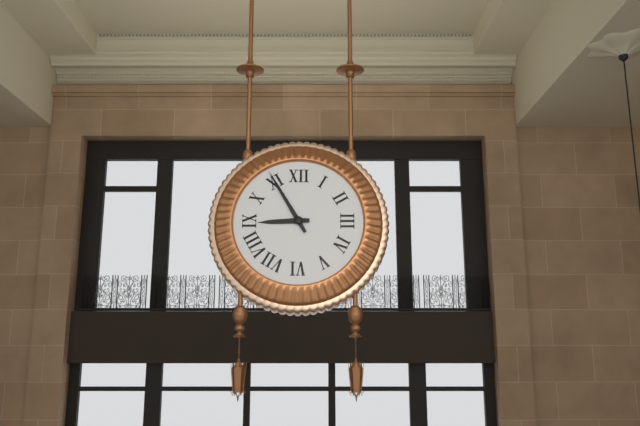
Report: 8:55
